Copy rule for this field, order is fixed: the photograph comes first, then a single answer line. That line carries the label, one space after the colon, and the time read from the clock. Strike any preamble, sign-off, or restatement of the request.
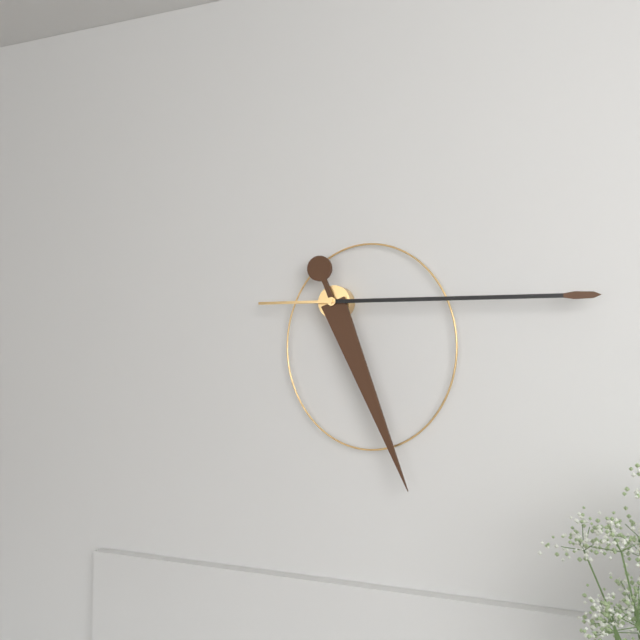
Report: 5:15
